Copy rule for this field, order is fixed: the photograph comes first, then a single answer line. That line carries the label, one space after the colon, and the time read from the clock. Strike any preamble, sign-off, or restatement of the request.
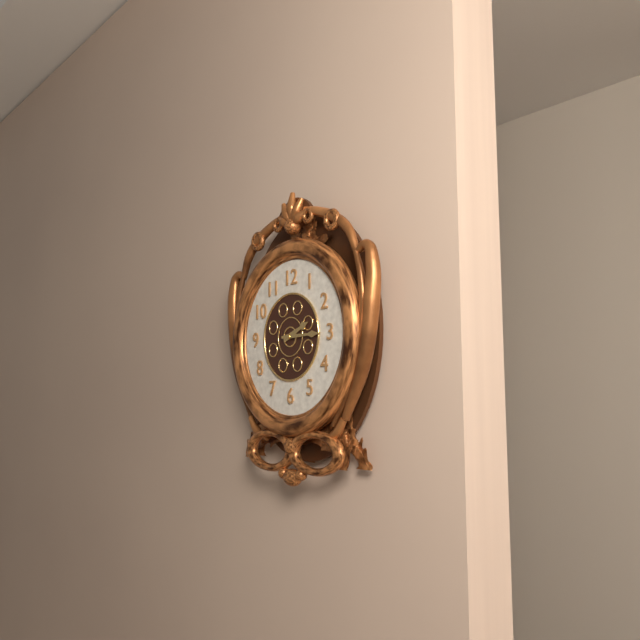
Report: 2:15
